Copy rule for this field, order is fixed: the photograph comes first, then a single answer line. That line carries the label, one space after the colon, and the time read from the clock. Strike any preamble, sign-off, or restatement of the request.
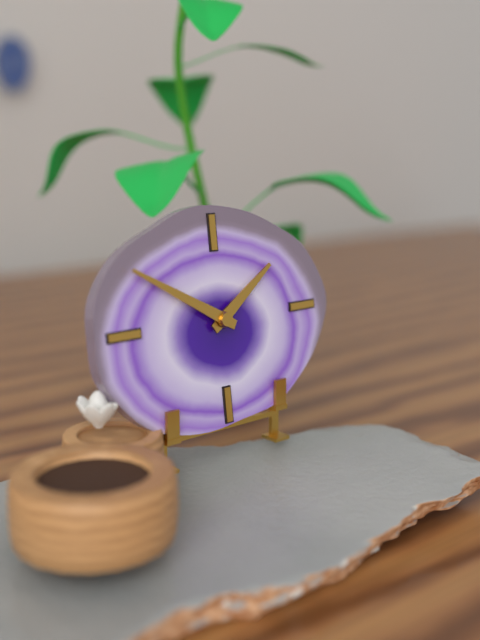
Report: 1:50
